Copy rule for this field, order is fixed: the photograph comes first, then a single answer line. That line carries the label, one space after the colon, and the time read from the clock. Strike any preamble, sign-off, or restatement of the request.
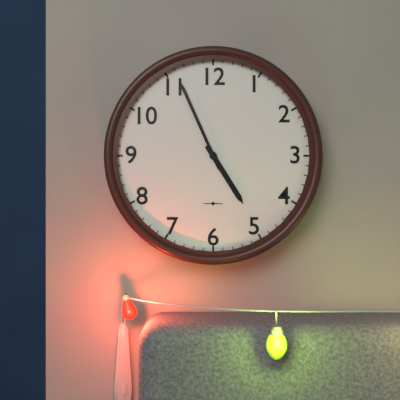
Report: 4:56
